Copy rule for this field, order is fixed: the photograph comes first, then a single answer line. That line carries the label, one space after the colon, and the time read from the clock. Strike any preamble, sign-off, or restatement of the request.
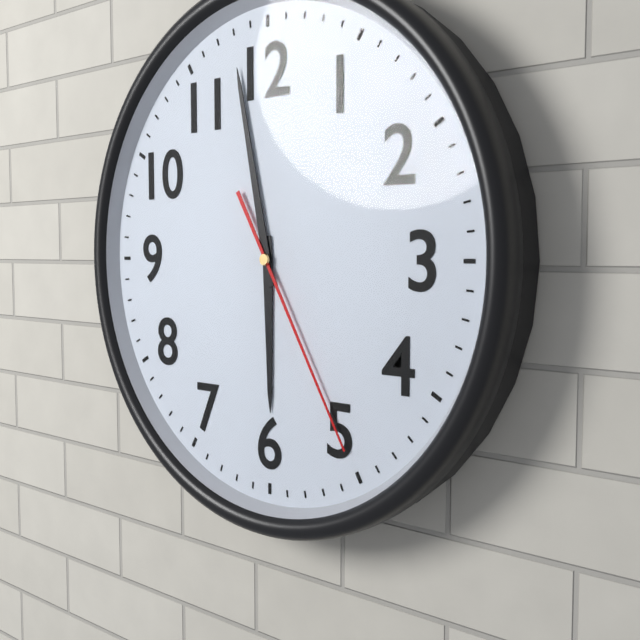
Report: 5:58:25
